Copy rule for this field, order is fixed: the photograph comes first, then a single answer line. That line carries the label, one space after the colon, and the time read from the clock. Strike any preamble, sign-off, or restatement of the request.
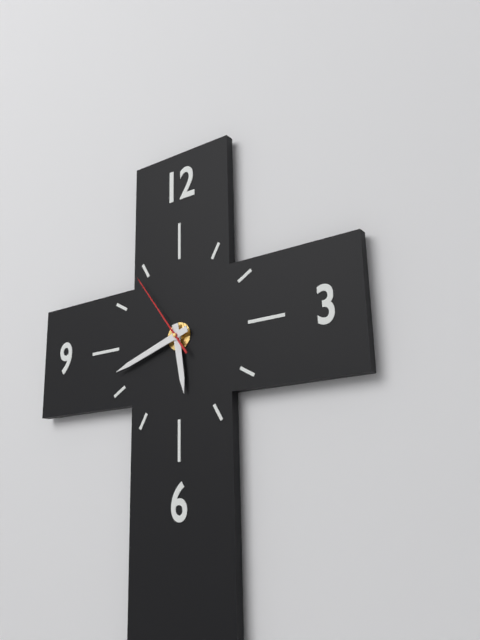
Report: 5:42:54
